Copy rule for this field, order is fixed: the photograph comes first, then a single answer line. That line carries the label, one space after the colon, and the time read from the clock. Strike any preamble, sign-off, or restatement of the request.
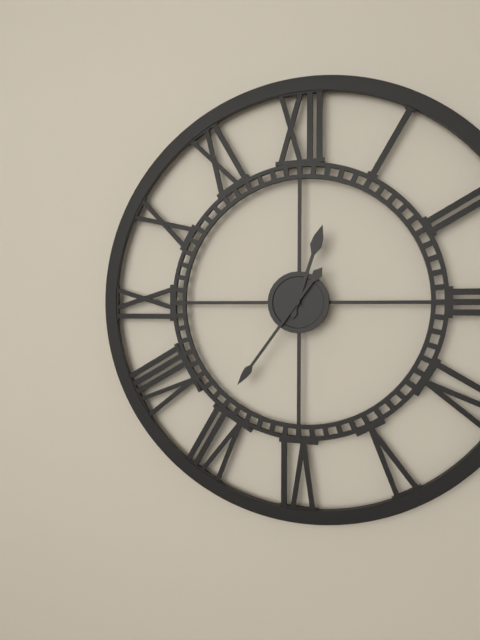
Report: 12:36
